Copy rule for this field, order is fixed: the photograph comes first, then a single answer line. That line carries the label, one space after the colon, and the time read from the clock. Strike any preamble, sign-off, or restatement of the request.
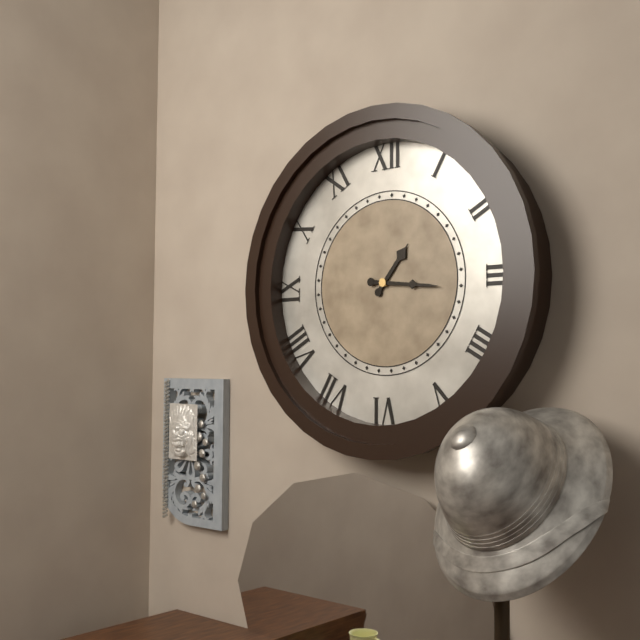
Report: 1:16
